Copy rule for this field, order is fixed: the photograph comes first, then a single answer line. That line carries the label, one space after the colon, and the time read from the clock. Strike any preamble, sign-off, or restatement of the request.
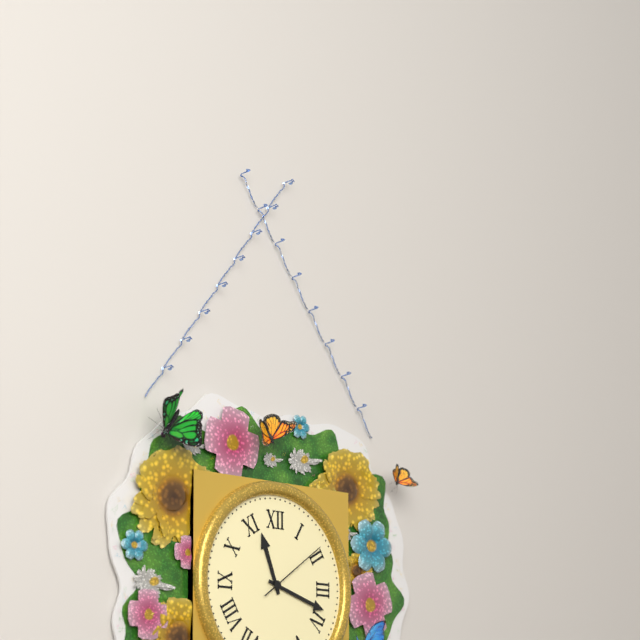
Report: 11:18:09
